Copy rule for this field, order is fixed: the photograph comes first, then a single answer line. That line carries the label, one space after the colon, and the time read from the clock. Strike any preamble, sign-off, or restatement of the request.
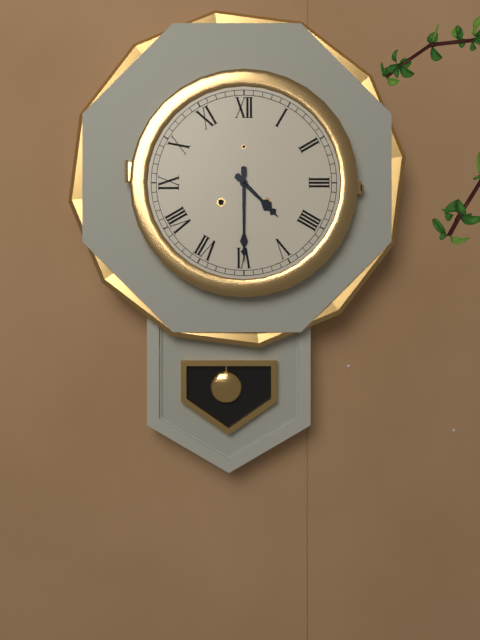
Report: 4:30
